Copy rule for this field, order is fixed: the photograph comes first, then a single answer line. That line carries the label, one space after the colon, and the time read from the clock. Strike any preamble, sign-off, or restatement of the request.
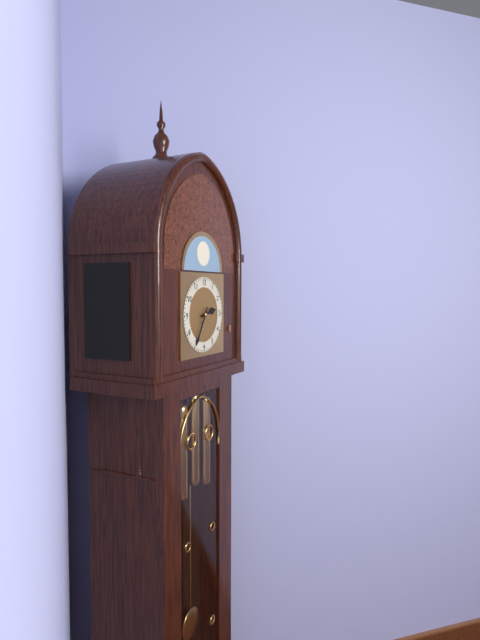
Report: 2:35
